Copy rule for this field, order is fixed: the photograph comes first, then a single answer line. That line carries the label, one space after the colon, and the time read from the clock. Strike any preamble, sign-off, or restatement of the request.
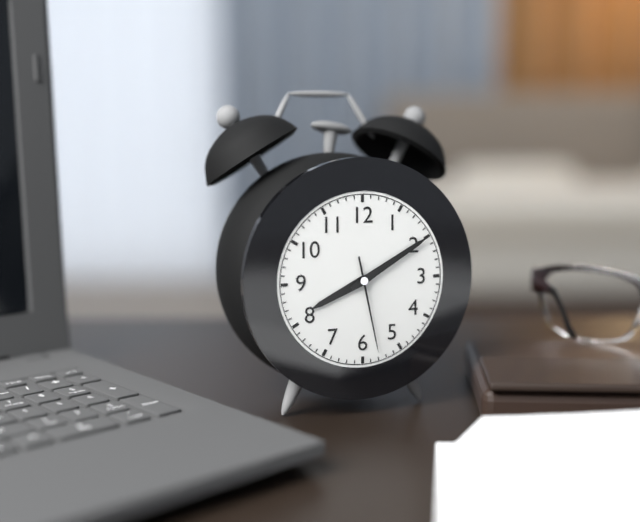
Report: 8:10:28
